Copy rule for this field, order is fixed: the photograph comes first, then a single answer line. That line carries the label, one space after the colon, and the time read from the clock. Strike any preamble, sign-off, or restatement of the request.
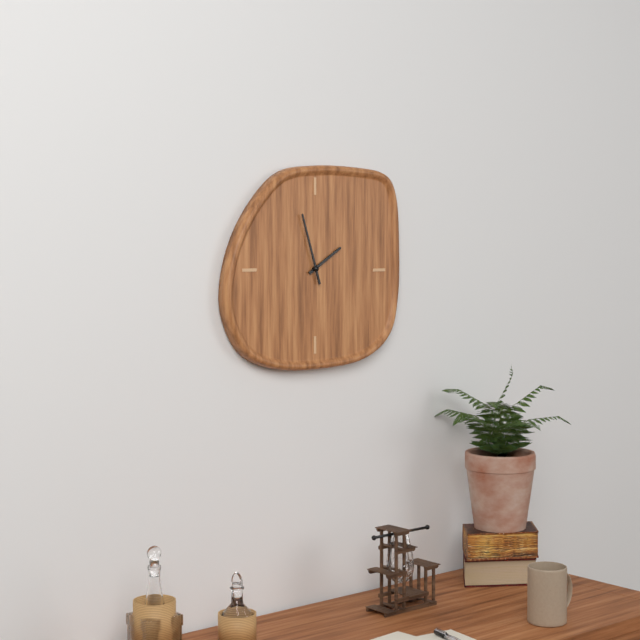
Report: 1:57
